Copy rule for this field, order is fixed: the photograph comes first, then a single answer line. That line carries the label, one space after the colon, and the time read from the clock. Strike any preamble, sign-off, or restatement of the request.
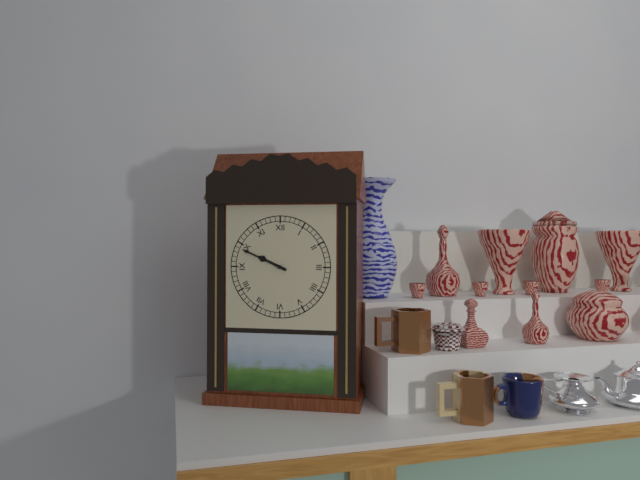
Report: 9:49
